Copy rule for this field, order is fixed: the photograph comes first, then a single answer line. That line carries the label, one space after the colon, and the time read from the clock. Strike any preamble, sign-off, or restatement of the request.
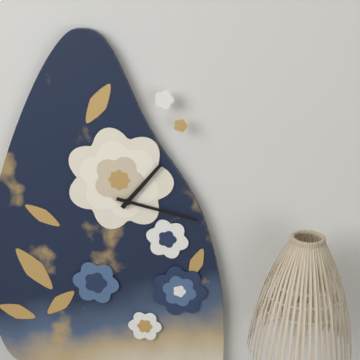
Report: 1:17
